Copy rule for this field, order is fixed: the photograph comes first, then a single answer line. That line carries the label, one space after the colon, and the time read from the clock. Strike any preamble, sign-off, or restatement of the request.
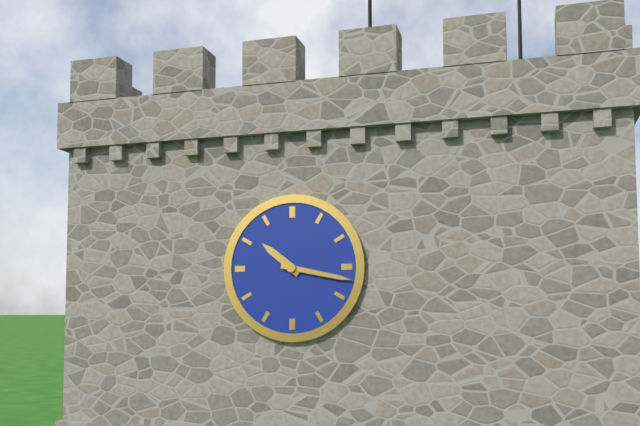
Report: 10:17
